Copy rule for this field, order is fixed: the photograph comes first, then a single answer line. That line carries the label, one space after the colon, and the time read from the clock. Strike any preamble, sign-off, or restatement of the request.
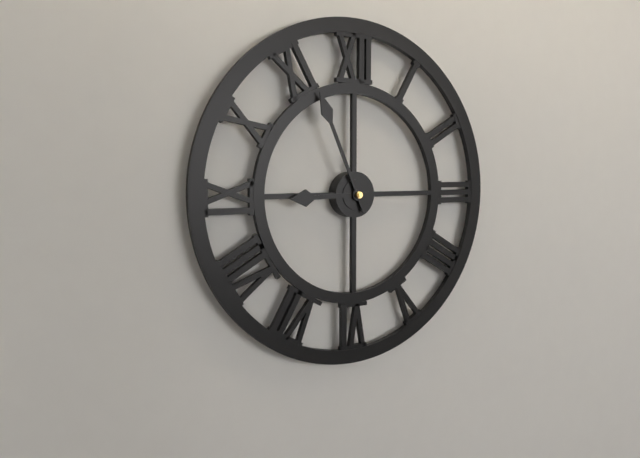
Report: 8:56
